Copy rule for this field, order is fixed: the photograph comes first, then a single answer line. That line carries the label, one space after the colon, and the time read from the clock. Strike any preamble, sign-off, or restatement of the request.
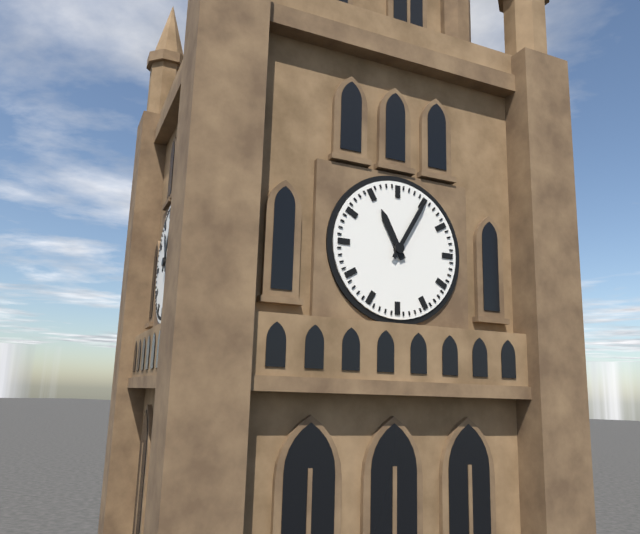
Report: 11:05
